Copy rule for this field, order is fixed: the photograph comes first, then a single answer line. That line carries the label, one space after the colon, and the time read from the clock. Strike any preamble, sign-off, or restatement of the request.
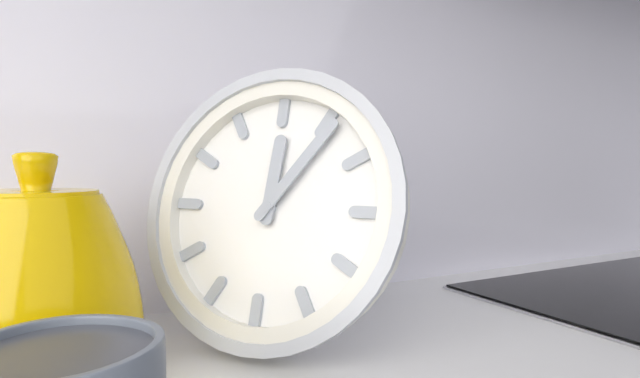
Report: 12:06
